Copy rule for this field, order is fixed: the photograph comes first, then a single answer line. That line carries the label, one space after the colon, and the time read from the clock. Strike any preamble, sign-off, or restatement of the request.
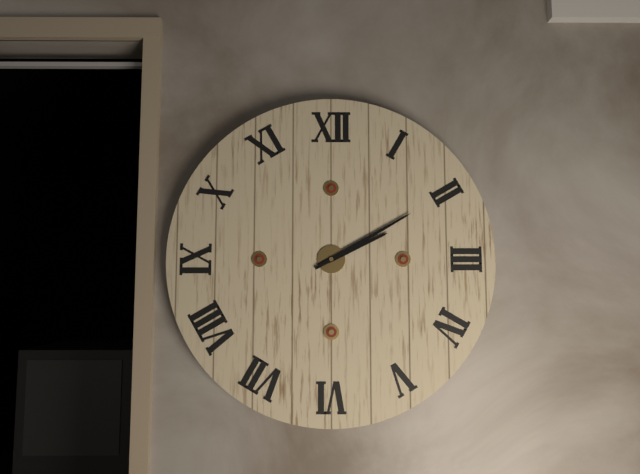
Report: 2:10
